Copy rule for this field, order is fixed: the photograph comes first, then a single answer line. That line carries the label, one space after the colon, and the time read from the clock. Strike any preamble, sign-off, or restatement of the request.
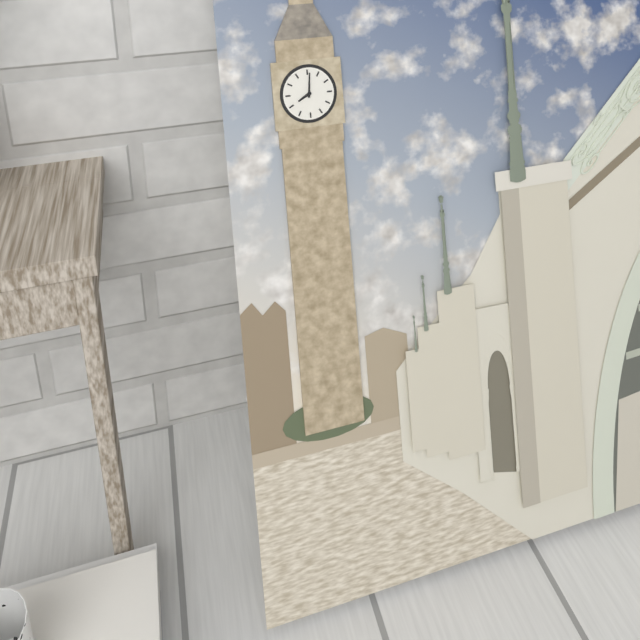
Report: 8:01
